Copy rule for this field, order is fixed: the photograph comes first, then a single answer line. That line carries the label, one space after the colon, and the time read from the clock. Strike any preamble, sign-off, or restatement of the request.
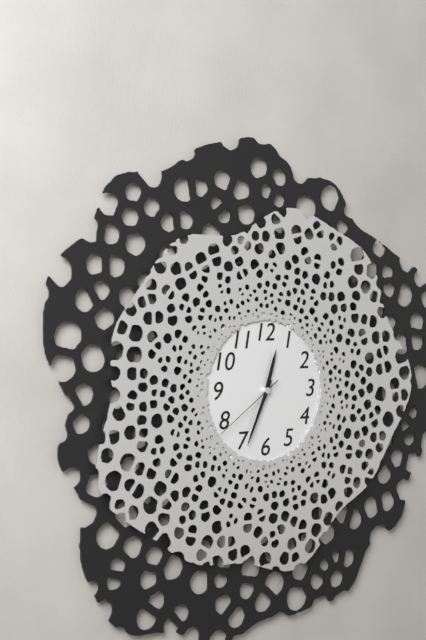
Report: 12:34:39
